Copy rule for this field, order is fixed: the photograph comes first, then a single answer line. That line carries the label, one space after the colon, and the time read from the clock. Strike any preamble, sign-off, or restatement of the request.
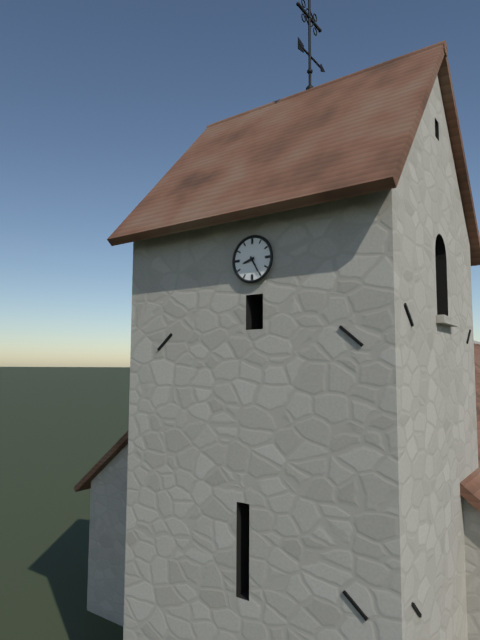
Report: 8:25
